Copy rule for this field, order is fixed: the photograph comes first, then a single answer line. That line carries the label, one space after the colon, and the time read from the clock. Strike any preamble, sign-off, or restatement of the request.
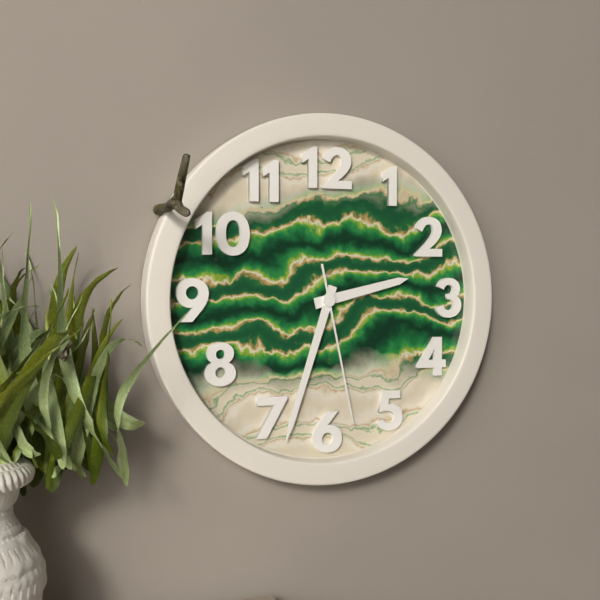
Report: 2:33:28
